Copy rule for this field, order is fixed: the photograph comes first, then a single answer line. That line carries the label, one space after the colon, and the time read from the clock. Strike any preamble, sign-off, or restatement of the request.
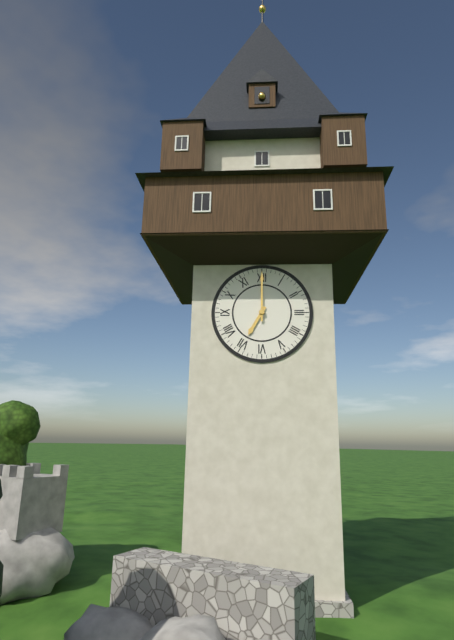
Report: 7:00
